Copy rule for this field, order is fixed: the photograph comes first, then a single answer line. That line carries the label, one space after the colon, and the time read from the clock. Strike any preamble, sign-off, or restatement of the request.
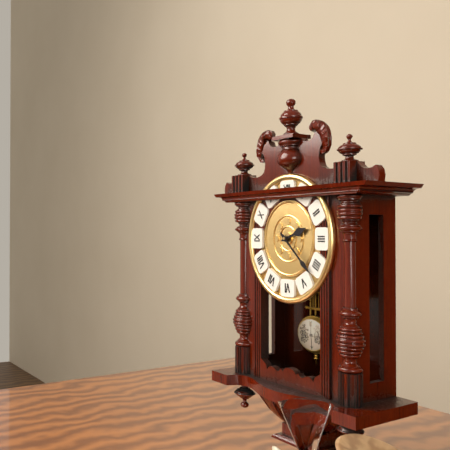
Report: 2:22
